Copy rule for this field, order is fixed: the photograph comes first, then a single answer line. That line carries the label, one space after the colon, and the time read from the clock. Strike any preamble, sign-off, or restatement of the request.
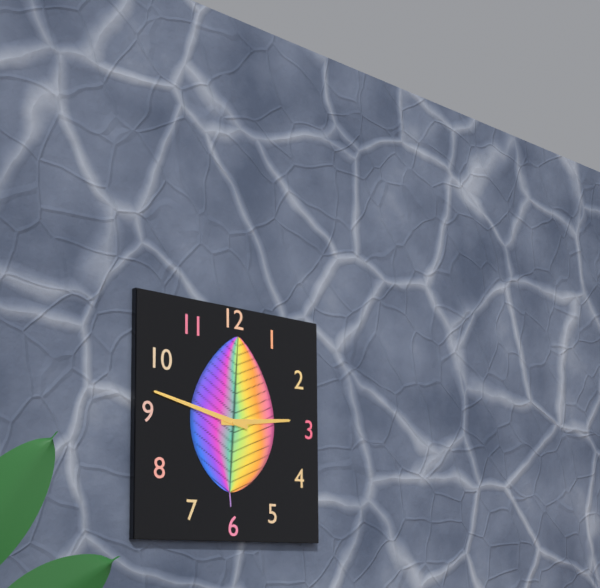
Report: 2:47
